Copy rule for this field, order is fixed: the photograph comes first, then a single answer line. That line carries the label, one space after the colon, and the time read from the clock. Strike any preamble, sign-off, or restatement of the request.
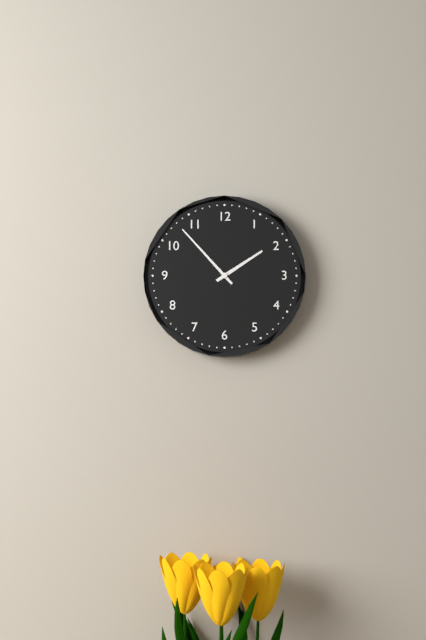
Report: 1:53
